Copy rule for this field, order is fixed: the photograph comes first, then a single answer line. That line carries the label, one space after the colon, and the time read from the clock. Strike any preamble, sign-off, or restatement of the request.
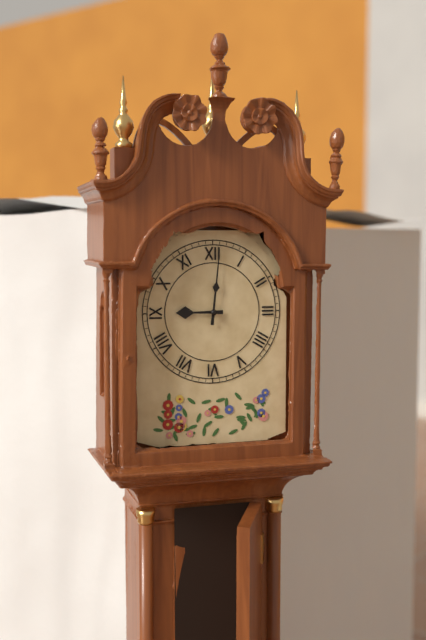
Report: 9:01
